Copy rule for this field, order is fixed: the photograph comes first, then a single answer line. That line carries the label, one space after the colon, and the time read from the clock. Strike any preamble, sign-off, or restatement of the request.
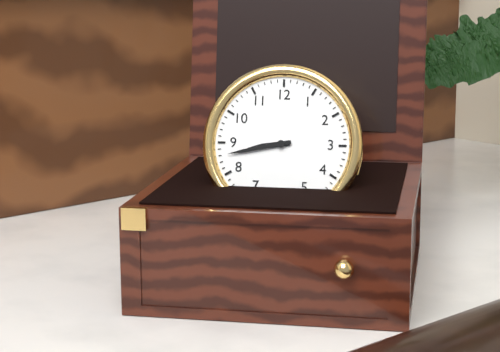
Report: 8:43
